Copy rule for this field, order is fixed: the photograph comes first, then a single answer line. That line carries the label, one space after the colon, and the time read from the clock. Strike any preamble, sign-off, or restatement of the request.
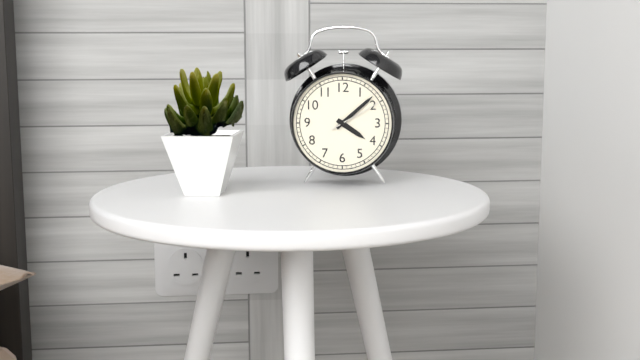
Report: 4:08:10
